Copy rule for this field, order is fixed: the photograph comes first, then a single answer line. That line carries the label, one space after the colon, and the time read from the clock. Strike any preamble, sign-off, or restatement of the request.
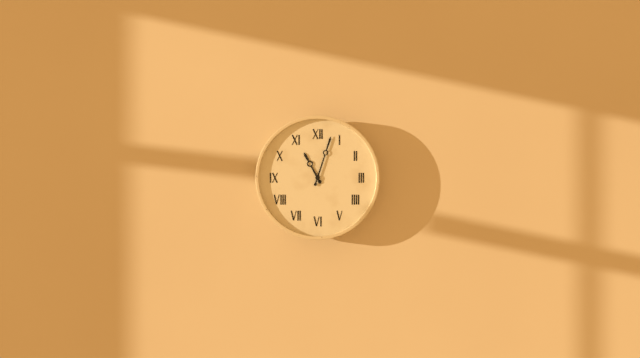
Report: 11:03
